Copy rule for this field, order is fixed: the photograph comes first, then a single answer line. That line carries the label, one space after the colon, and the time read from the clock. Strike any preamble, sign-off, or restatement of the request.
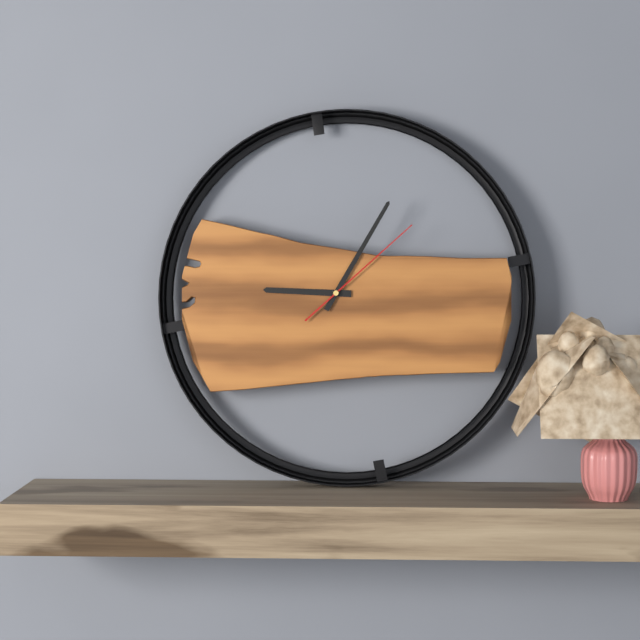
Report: 9:05:08
